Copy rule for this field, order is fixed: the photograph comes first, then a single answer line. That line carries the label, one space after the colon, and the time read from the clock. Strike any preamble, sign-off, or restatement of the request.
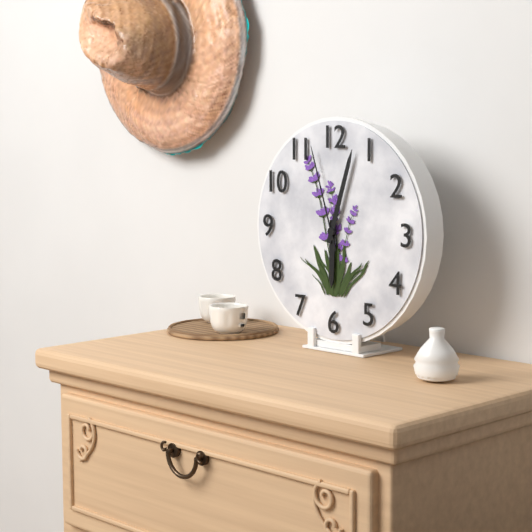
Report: 6:03:57
